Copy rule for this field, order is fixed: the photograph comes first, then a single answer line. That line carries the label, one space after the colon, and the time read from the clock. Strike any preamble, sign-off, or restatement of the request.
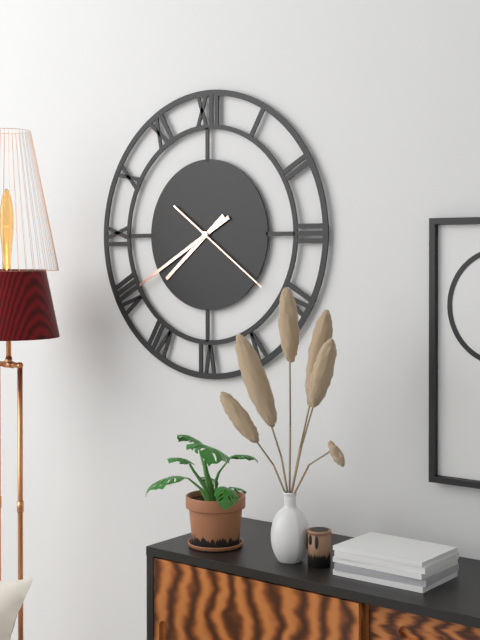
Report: 7:40:21
